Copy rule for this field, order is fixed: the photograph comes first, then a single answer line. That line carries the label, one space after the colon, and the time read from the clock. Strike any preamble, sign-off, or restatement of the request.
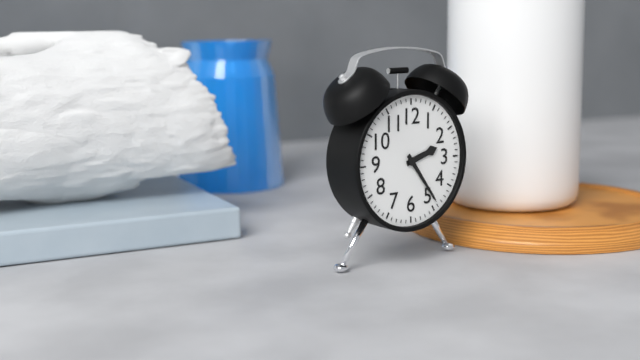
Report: 2:24
